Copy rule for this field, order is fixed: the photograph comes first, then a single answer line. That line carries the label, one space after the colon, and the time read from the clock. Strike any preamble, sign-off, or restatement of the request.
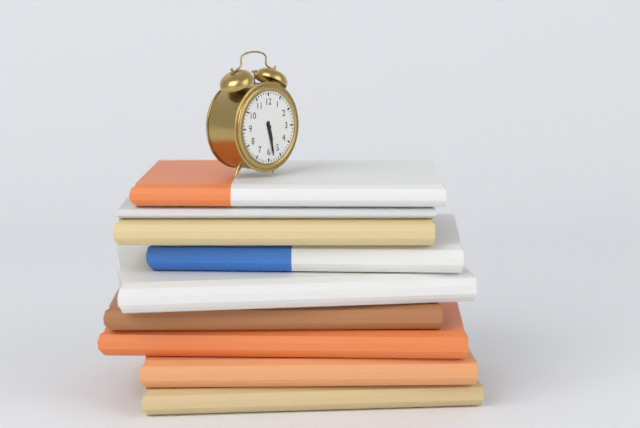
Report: 5:28
